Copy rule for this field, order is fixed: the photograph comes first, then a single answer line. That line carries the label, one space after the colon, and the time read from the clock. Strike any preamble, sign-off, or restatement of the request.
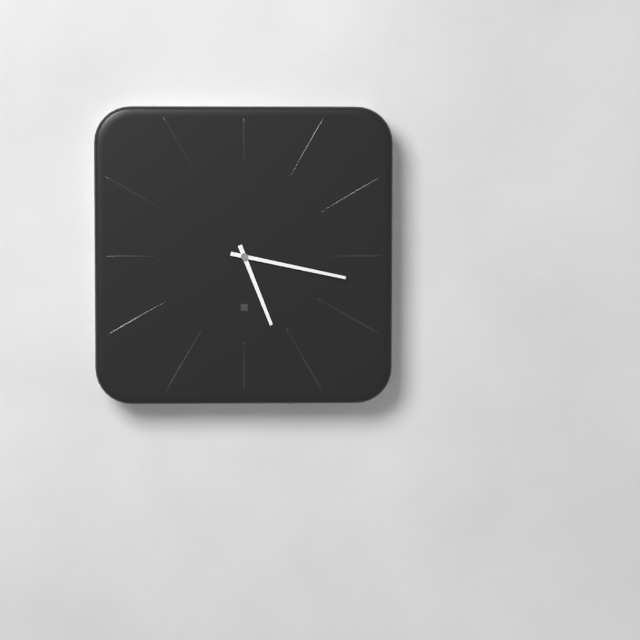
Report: 5:17
